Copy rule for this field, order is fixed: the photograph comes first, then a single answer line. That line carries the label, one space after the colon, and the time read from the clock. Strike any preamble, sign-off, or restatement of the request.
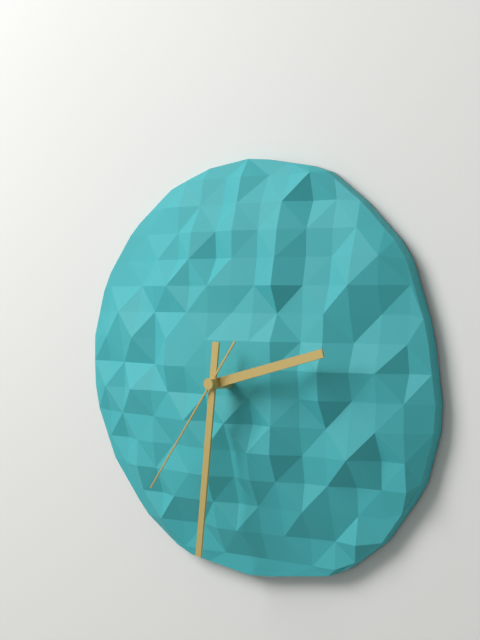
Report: 2:31:36
